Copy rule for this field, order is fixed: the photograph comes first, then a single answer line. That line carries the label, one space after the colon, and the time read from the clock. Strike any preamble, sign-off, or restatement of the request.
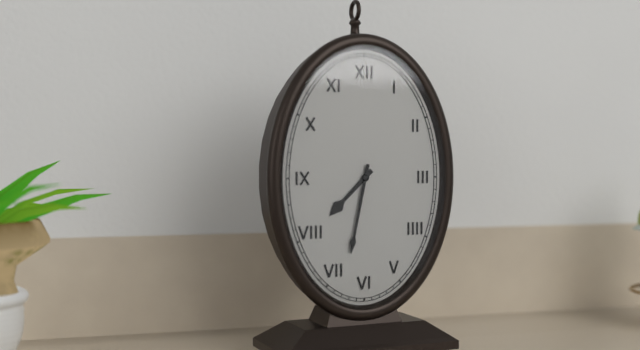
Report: 7:32
